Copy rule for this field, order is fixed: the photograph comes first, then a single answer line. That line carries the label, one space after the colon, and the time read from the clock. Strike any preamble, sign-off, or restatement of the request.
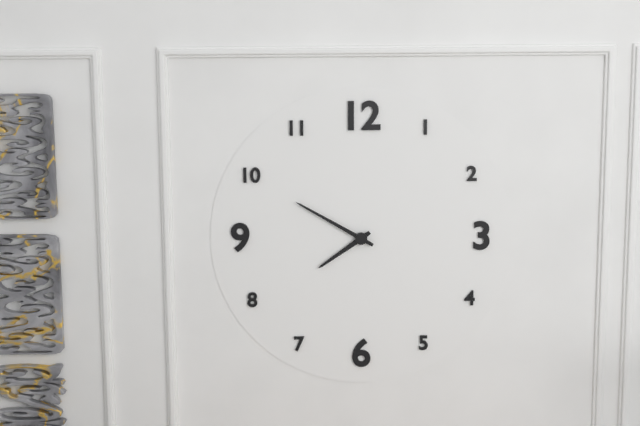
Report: 7:50
